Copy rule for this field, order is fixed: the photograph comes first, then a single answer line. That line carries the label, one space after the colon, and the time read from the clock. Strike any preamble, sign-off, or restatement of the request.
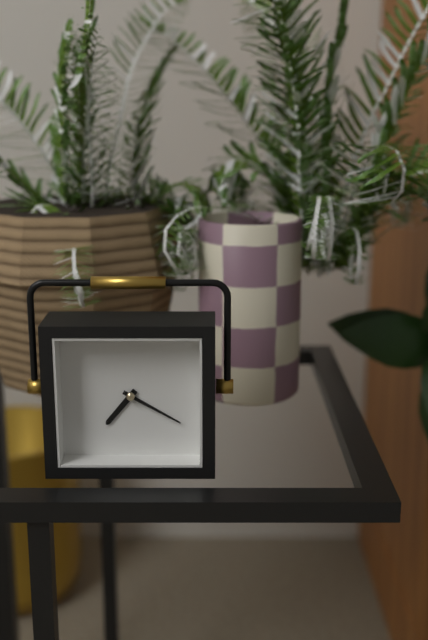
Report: 7:20
